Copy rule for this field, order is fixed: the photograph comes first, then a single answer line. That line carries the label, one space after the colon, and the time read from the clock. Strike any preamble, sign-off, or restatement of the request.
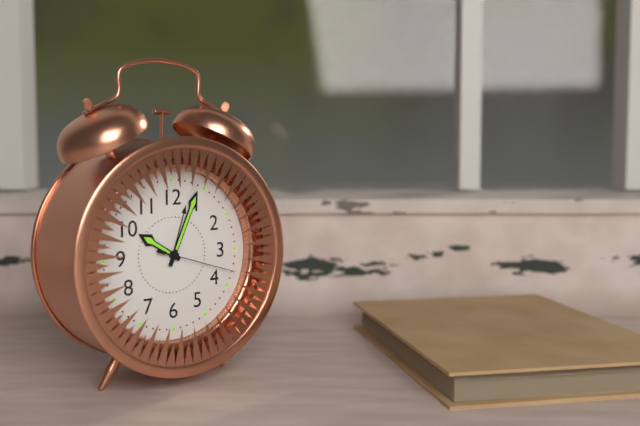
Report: 10:04:18
